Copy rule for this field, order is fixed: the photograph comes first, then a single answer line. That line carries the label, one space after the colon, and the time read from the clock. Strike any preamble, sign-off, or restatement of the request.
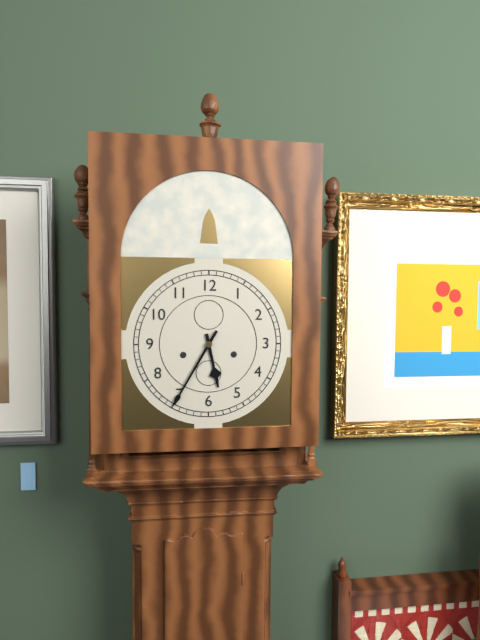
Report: 5:35
